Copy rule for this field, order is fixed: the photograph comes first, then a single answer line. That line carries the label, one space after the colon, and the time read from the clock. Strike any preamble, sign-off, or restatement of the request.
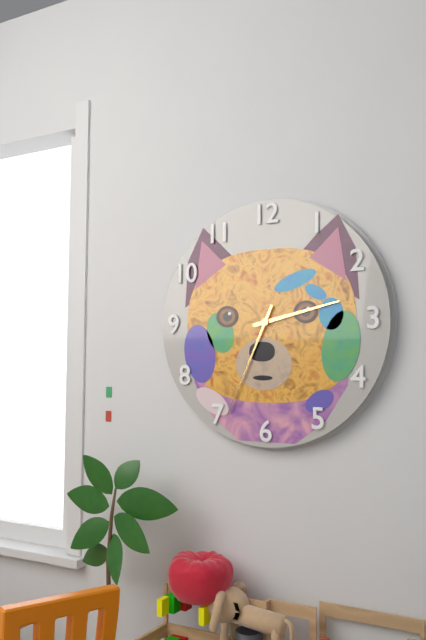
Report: 2:34
